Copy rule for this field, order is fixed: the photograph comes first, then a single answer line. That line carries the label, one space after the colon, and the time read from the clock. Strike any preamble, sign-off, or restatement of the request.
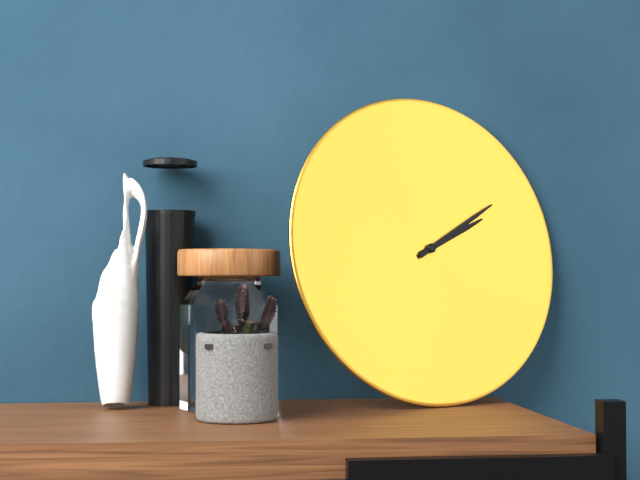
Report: 2:10
